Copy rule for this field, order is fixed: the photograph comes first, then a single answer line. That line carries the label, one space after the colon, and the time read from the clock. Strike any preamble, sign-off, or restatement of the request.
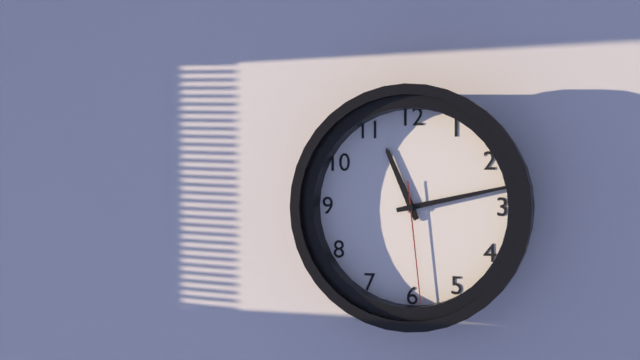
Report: 11:13:29
